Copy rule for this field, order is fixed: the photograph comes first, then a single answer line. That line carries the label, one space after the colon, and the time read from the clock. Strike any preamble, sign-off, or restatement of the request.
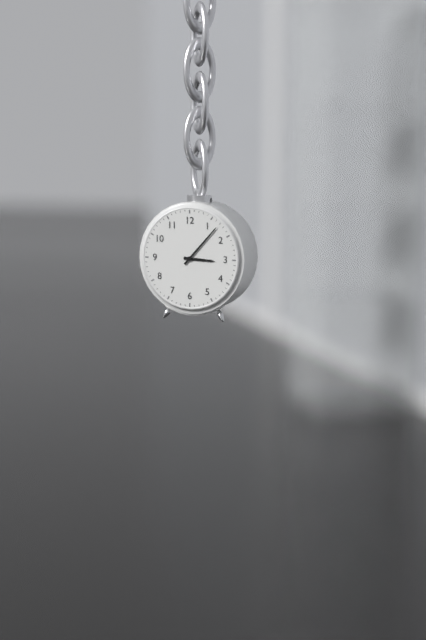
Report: 3:07
